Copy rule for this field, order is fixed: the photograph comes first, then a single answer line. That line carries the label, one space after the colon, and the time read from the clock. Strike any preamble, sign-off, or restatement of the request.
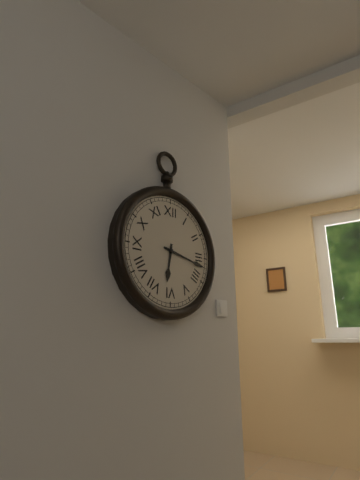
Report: 6:17
